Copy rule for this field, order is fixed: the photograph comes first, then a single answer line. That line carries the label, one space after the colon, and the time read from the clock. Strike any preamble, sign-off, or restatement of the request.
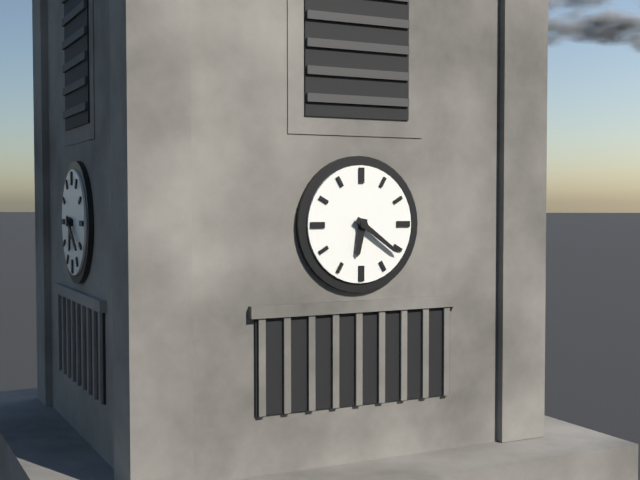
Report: 6:21
